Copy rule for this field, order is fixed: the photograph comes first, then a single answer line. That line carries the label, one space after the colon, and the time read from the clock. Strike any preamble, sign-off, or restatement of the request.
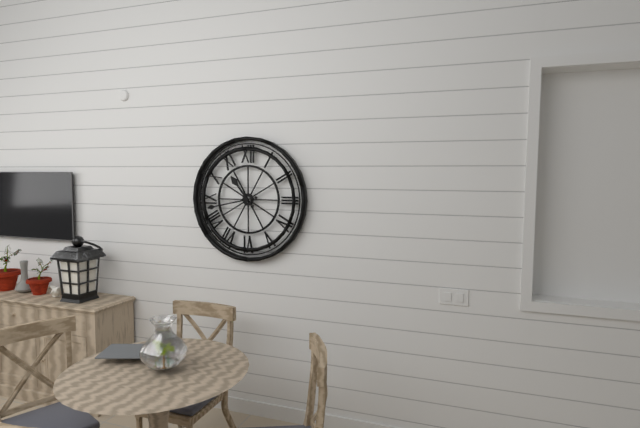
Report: 10:43
